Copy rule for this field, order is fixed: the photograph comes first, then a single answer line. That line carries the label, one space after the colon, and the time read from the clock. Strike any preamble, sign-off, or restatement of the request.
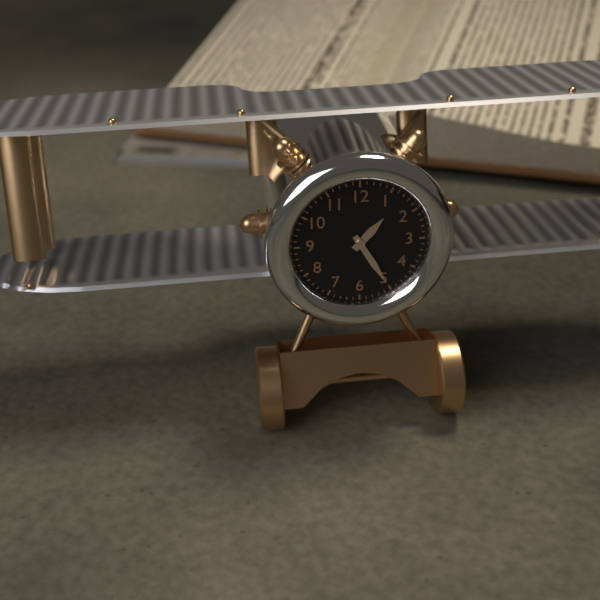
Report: 1:25
